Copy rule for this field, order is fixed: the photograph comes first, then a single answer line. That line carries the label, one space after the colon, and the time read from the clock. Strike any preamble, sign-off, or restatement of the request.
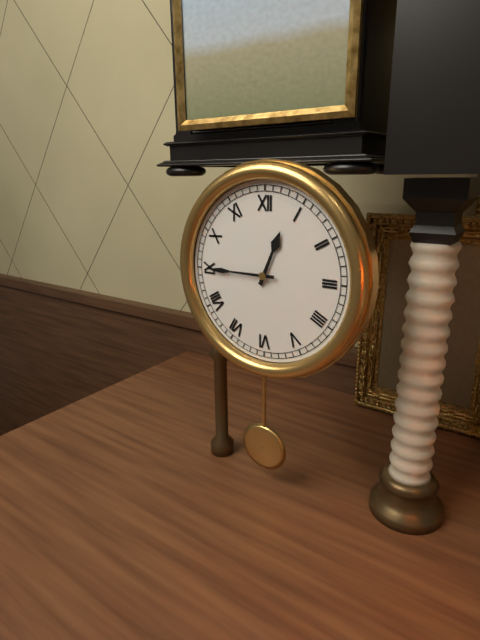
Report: 12:45
